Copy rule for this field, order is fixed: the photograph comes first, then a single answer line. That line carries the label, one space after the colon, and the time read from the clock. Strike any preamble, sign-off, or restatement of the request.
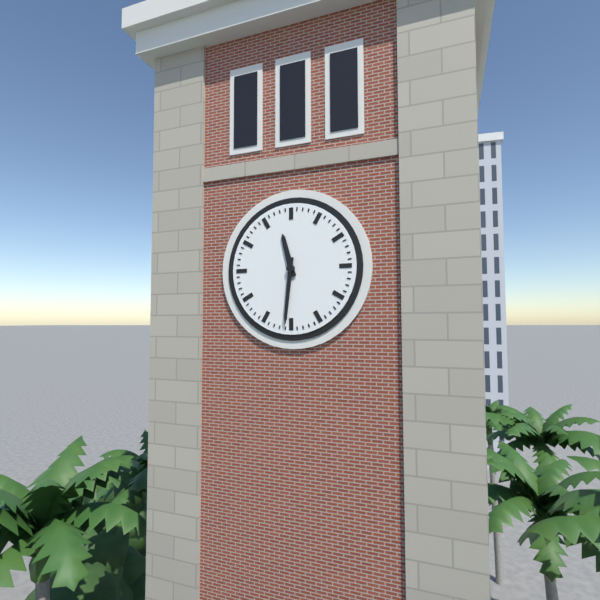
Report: 11:31
